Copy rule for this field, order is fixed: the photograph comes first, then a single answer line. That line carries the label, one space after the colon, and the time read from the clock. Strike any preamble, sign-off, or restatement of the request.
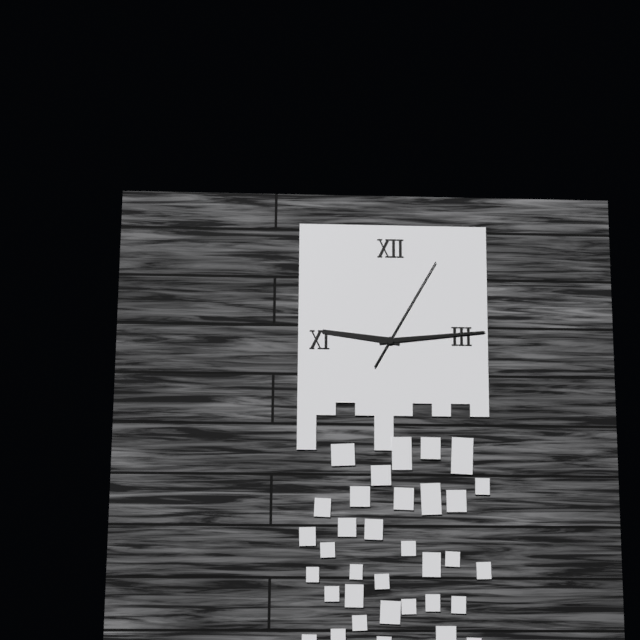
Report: 9:14:05
